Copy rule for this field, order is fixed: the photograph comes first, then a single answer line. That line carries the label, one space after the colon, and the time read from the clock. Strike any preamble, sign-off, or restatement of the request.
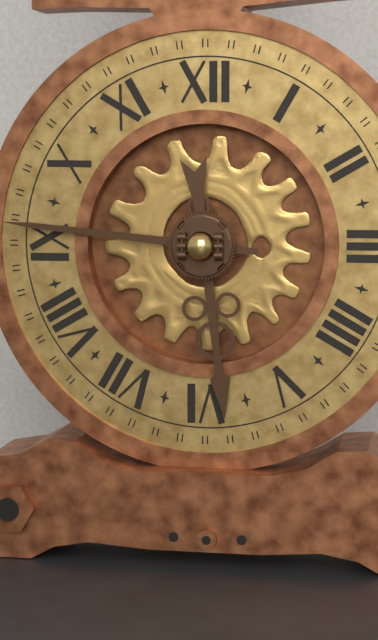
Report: 5:46
